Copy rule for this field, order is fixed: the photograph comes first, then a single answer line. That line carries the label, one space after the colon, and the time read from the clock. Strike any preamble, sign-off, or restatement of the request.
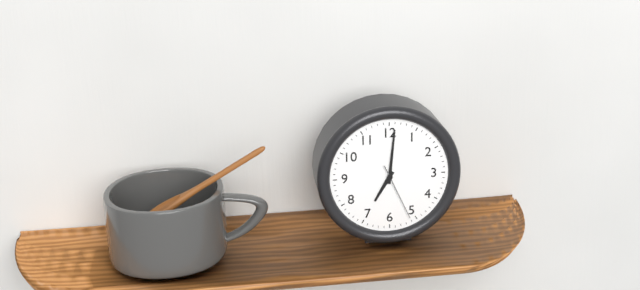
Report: 7:01:26
